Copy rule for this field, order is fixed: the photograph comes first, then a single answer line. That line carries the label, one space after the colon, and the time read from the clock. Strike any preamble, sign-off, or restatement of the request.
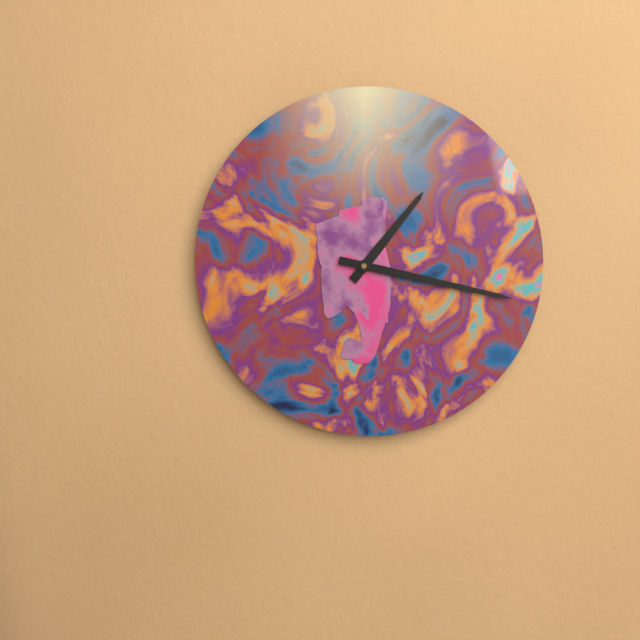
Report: 1:17
